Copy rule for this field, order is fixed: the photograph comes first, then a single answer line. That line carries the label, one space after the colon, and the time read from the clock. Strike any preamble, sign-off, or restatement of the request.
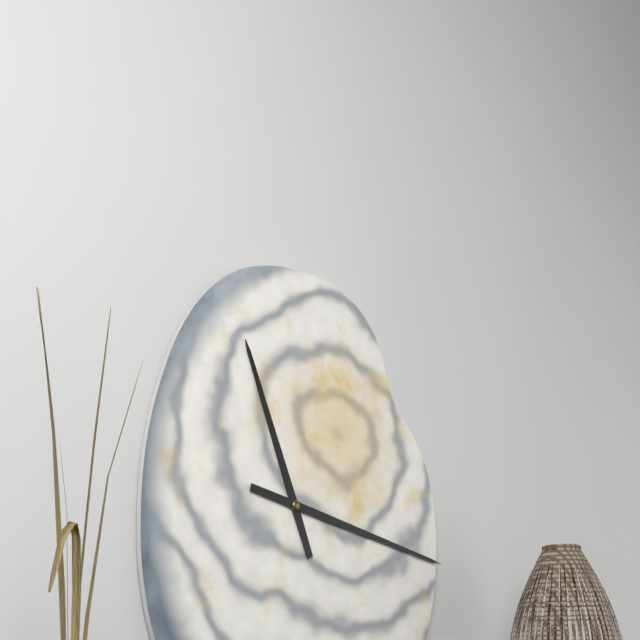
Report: 11:17
